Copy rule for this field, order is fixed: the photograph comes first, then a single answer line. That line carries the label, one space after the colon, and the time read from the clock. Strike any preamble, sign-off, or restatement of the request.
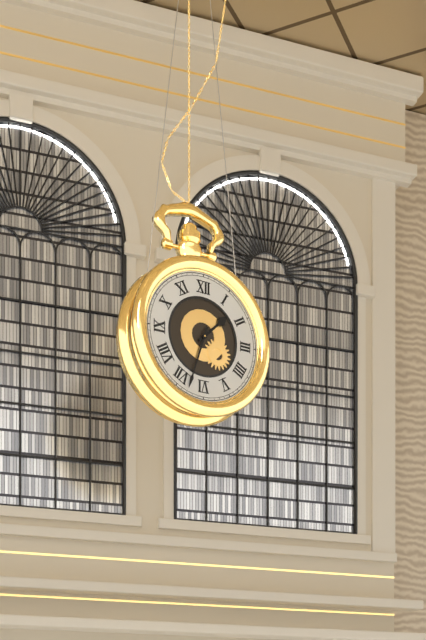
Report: 1:33
